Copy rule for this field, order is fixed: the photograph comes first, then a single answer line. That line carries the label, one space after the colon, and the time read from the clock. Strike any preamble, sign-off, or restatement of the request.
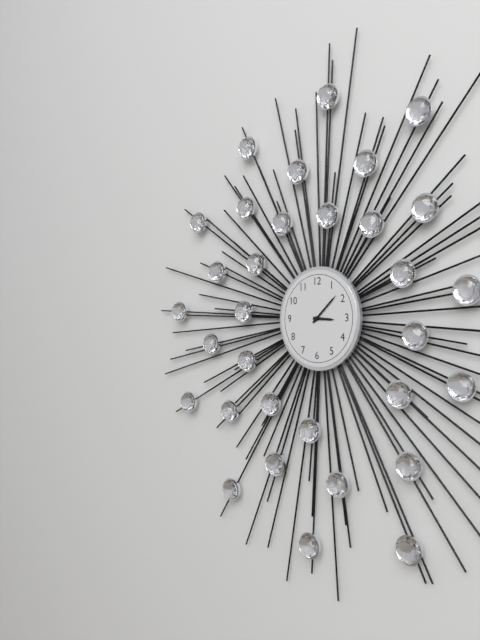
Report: 3:08
